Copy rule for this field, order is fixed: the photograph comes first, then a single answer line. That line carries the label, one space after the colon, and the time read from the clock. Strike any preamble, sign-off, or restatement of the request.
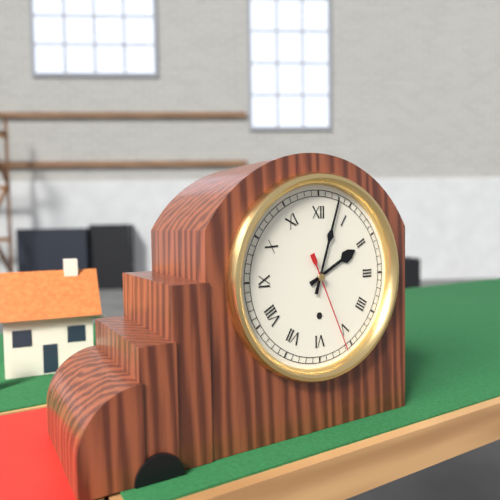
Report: 2:03:26
